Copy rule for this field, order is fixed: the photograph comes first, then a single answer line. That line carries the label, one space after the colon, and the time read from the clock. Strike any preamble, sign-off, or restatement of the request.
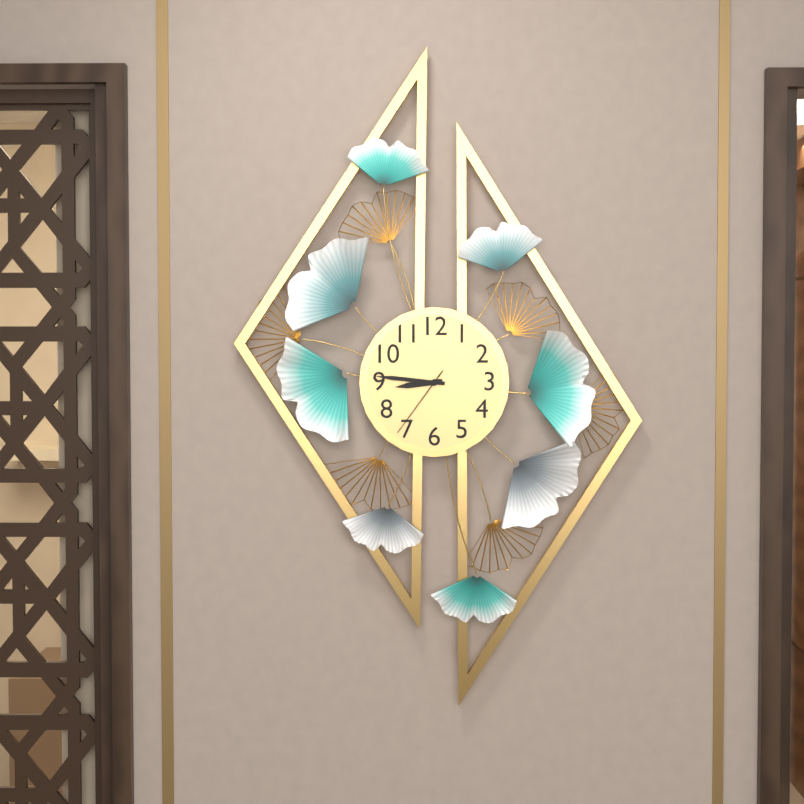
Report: 8:46:36
